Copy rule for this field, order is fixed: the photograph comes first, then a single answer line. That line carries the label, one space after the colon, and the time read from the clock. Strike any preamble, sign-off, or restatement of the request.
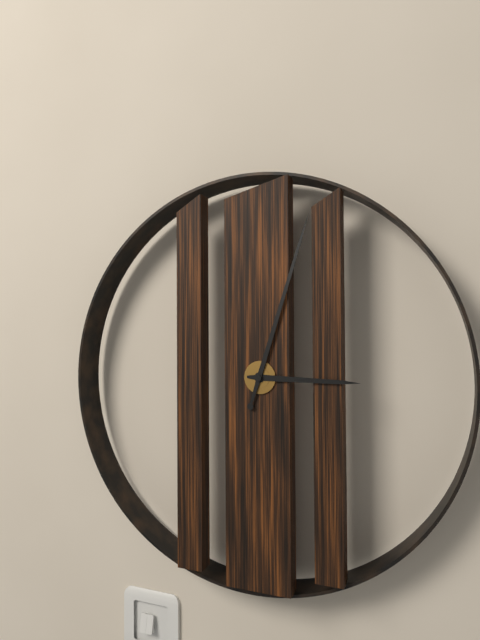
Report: 3:03
